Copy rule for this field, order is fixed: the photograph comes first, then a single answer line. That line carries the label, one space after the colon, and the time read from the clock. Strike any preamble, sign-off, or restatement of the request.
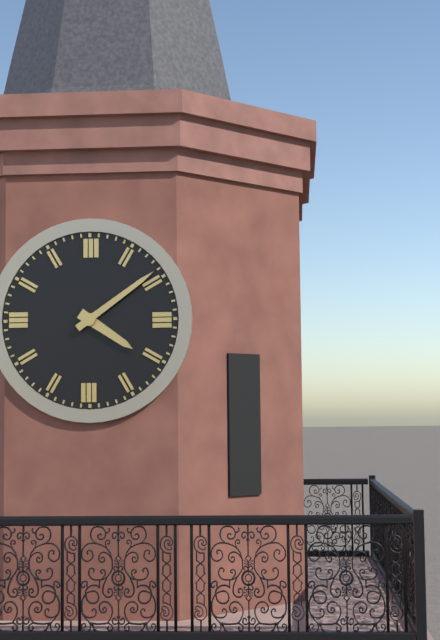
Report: 4:09
